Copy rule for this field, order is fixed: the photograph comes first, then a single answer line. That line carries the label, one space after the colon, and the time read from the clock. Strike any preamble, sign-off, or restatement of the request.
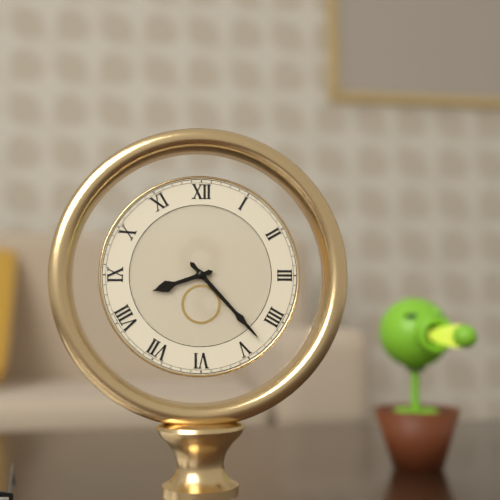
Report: 8:23
